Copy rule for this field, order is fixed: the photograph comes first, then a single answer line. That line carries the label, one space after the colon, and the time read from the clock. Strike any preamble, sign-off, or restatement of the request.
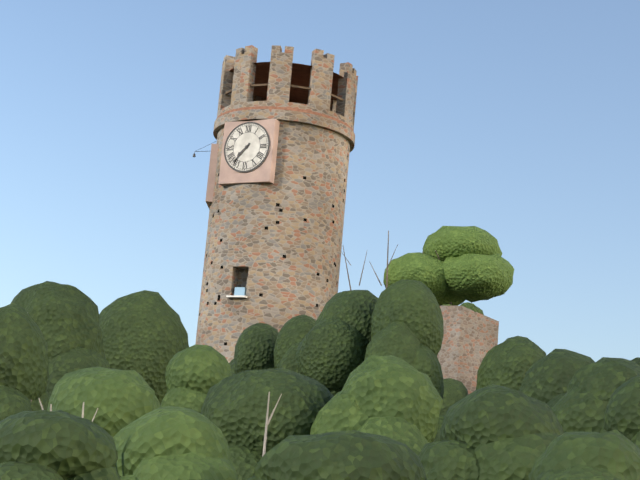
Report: 7:37
